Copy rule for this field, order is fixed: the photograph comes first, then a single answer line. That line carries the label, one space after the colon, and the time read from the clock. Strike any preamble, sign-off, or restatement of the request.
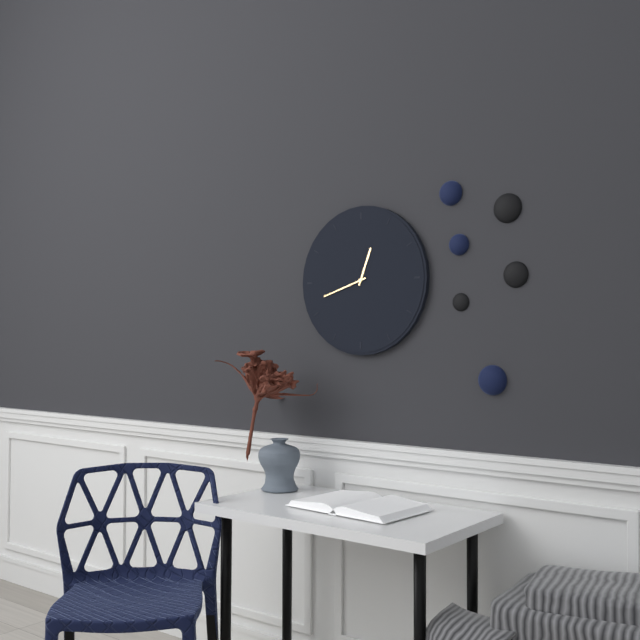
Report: 12:42
